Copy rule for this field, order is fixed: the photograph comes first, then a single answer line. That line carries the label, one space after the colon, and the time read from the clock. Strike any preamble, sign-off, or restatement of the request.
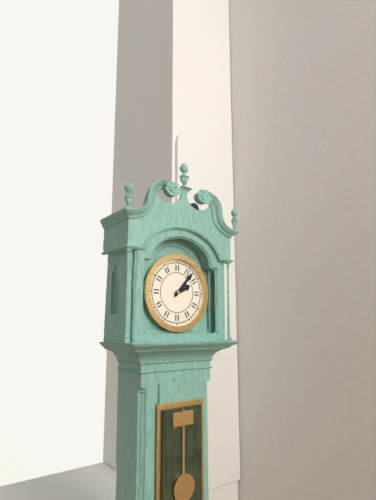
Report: 2:07
